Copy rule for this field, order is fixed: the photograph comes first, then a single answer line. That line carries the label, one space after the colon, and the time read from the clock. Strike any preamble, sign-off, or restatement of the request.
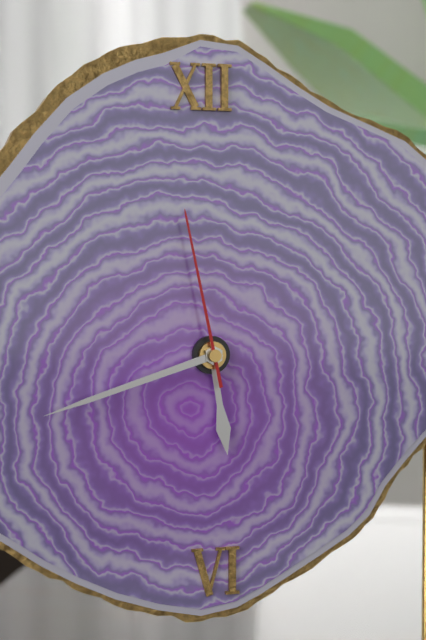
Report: 5:42:58
